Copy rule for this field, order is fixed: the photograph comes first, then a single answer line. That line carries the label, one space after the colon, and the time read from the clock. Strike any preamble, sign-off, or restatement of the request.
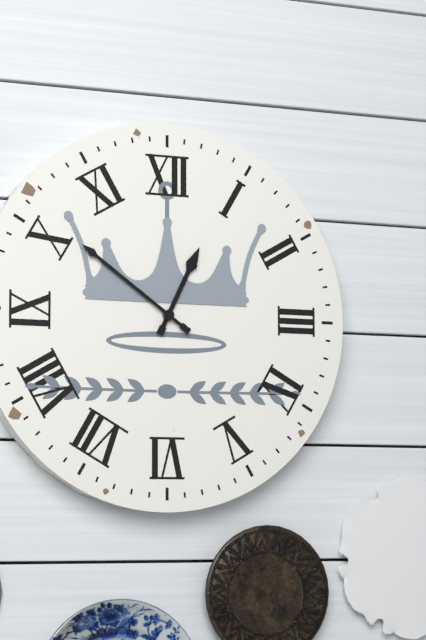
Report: 12:51
